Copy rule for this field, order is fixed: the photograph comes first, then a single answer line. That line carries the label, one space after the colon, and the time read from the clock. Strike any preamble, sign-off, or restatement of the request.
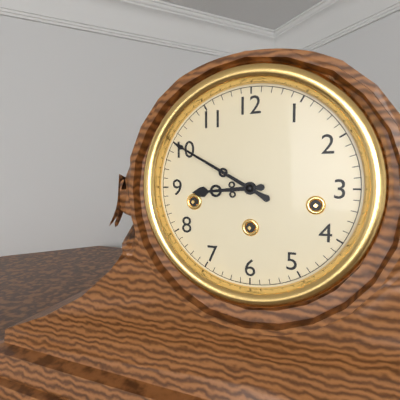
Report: 8:50
